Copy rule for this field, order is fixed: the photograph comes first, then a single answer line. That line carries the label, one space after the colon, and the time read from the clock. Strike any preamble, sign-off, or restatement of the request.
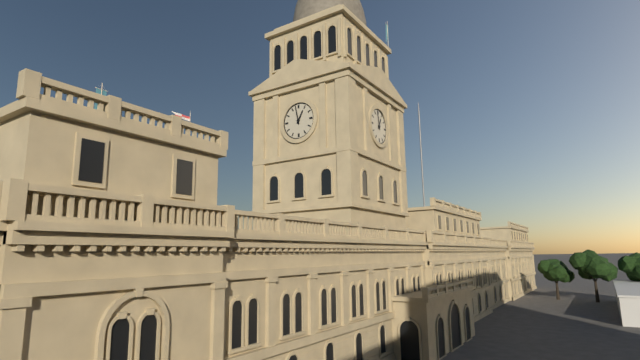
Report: 12:58
